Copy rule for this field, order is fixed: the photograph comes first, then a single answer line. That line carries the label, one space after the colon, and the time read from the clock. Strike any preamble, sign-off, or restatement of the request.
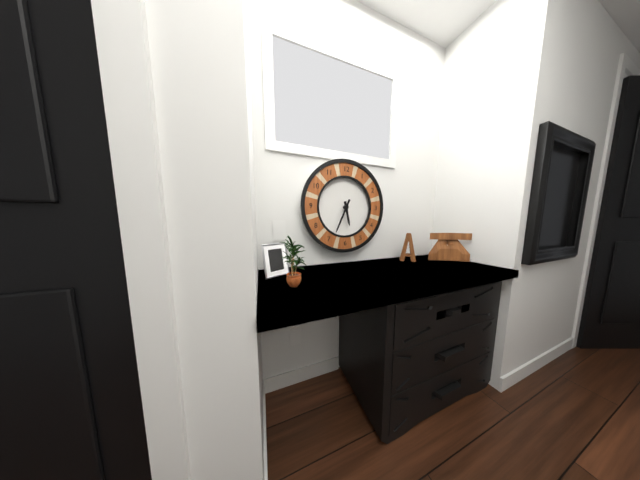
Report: 5:34
